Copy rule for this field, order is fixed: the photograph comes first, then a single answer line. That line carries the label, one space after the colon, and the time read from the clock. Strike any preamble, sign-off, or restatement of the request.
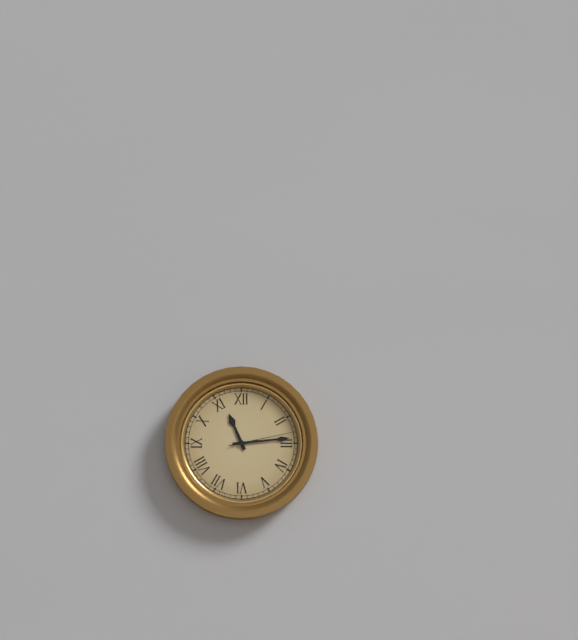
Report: 11:14:13
